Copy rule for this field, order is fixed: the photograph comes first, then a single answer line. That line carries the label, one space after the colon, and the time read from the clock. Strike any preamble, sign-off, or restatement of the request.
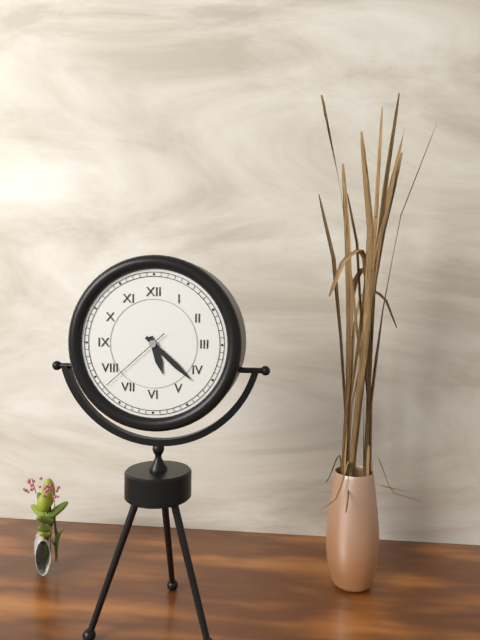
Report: 5:22:38
